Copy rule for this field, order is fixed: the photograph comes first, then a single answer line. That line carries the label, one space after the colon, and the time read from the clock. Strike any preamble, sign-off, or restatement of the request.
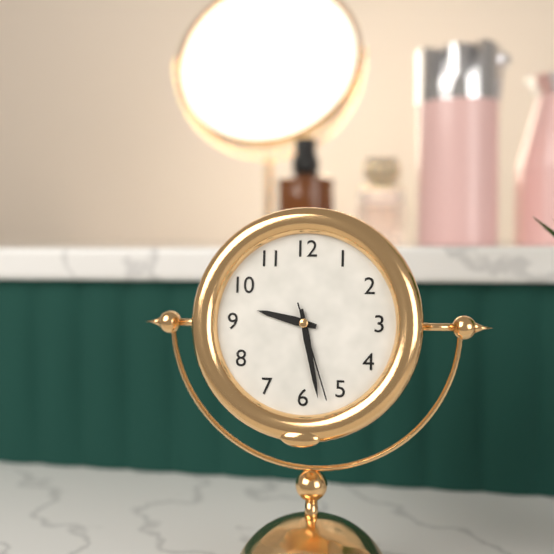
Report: 9:28:27
